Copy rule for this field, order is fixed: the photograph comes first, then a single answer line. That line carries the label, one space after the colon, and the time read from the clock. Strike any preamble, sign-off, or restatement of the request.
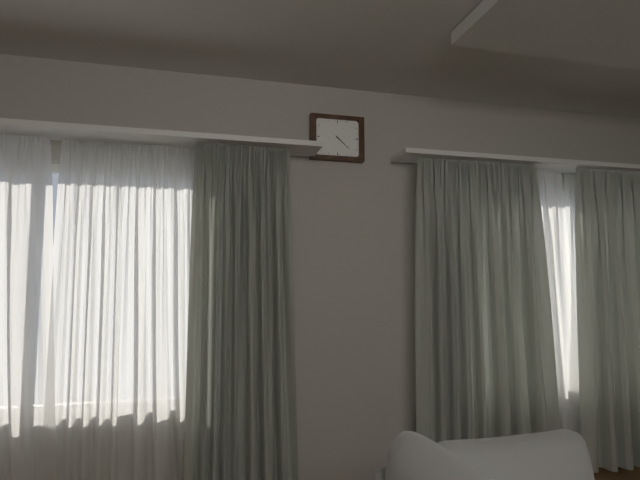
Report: 4:22
